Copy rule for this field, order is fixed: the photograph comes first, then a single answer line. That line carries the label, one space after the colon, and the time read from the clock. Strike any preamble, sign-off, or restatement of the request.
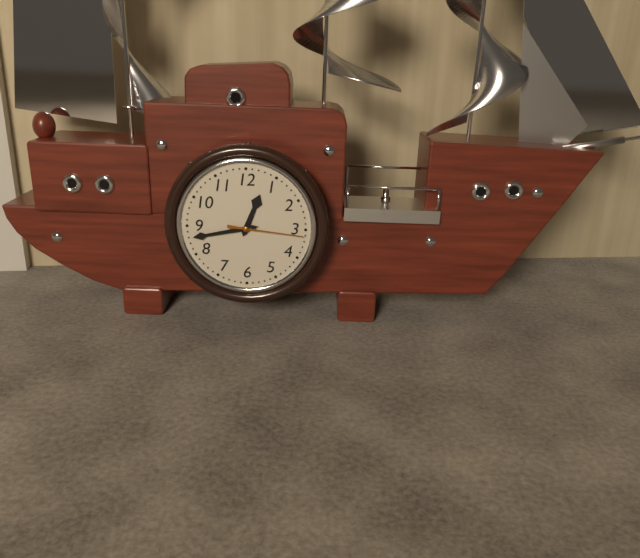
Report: 12:43:16
